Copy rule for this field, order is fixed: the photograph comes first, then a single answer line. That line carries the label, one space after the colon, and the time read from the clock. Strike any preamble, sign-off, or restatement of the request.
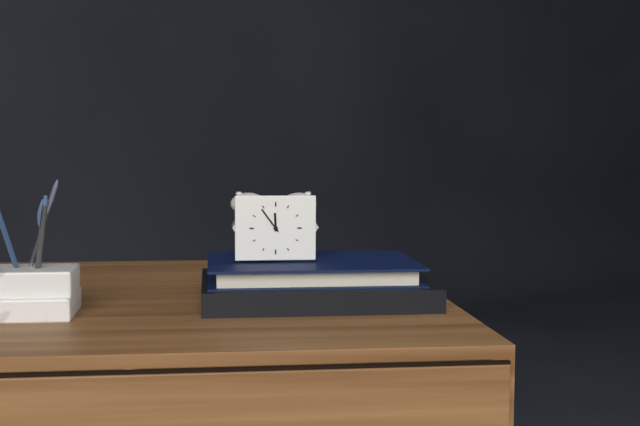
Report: 11:54
